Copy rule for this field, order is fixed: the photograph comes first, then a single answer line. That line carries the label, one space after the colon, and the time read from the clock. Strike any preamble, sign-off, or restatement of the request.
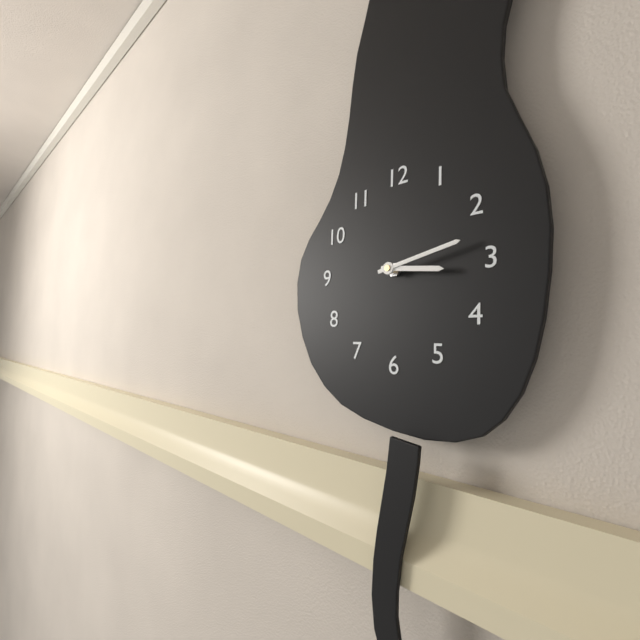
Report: 3:13
